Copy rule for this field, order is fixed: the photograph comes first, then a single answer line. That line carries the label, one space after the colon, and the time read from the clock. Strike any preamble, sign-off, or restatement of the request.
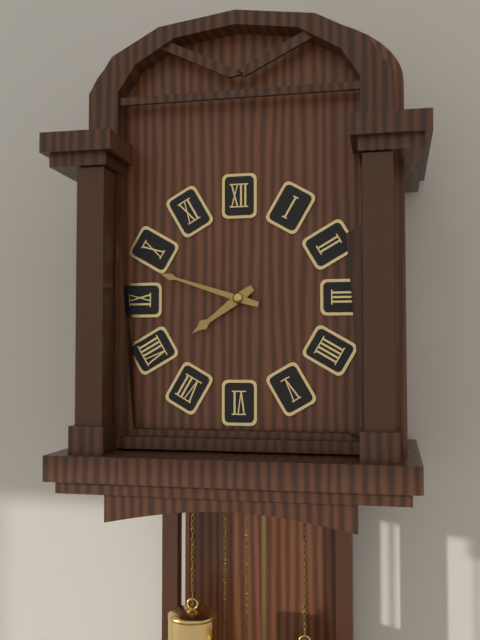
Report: 7:48
